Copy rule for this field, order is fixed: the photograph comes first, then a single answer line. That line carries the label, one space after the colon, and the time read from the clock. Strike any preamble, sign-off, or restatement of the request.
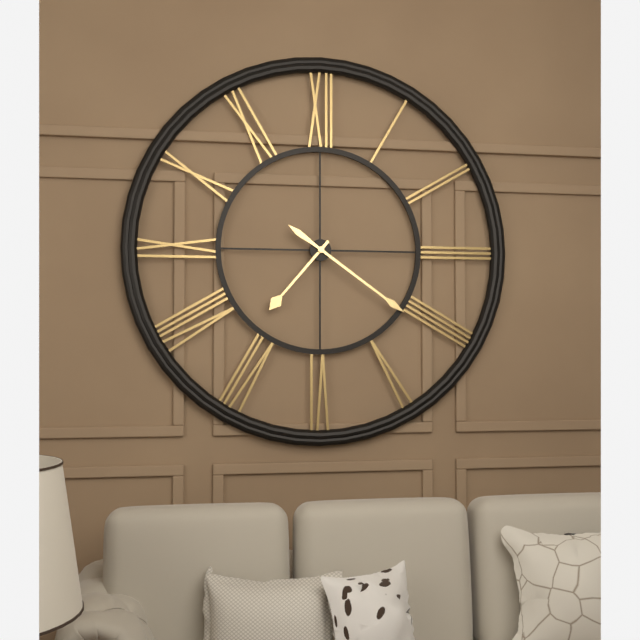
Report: 7:21
